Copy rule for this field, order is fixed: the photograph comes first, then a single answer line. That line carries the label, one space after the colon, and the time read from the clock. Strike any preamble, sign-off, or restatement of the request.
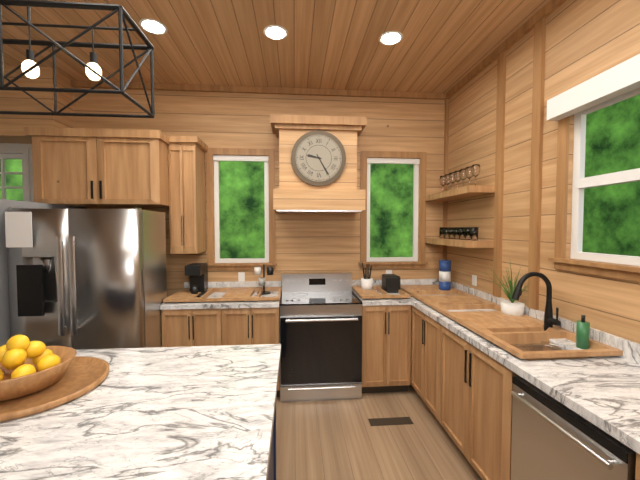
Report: 9:25
